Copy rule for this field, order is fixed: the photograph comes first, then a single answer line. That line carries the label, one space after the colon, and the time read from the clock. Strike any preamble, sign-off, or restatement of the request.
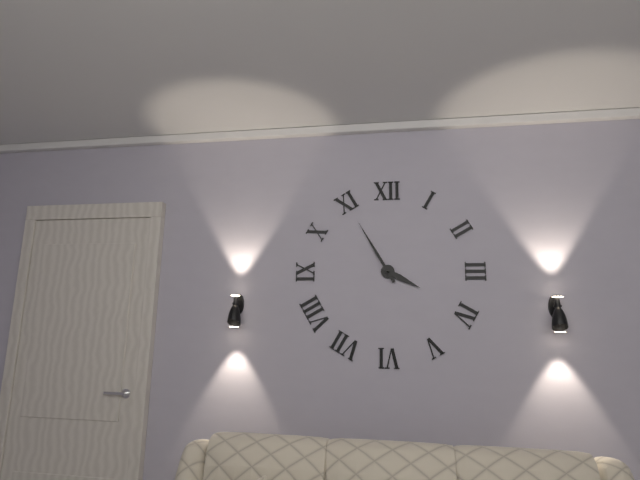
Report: 3:55
